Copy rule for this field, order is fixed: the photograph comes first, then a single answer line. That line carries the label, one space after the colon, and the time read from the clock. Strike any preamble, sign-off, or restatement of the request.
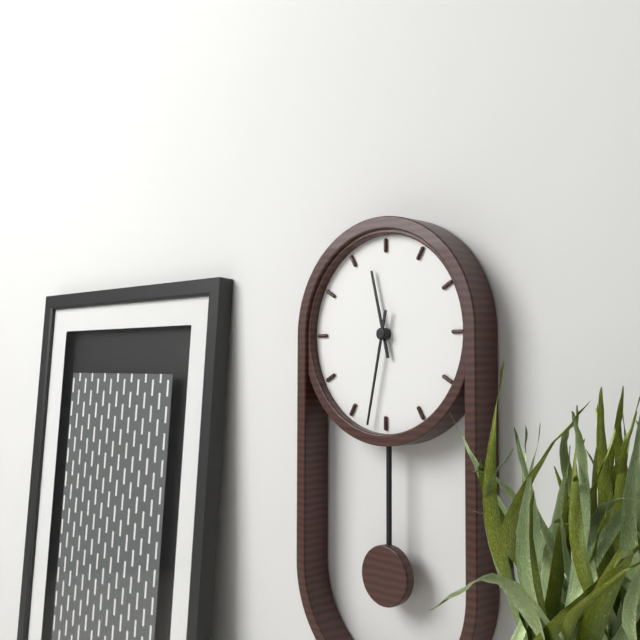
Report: 11:32
